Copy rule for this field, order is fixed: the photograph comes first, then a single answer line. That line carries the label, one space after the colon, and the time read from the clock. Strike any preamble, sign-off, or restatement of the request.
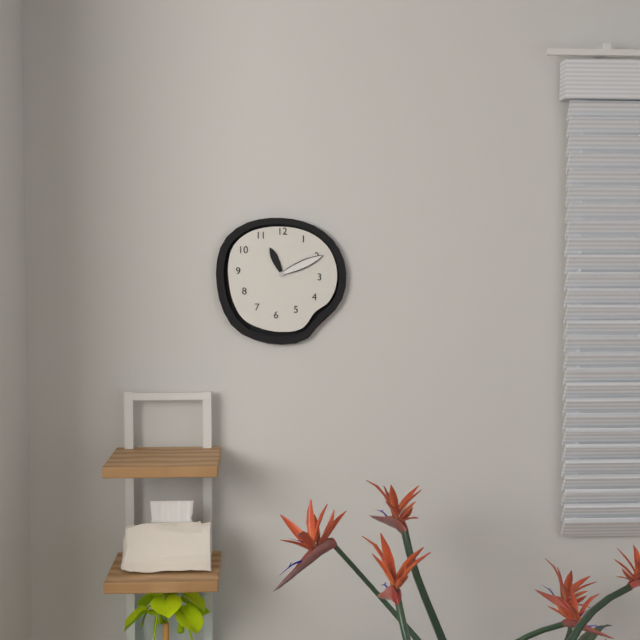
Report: 11:11
